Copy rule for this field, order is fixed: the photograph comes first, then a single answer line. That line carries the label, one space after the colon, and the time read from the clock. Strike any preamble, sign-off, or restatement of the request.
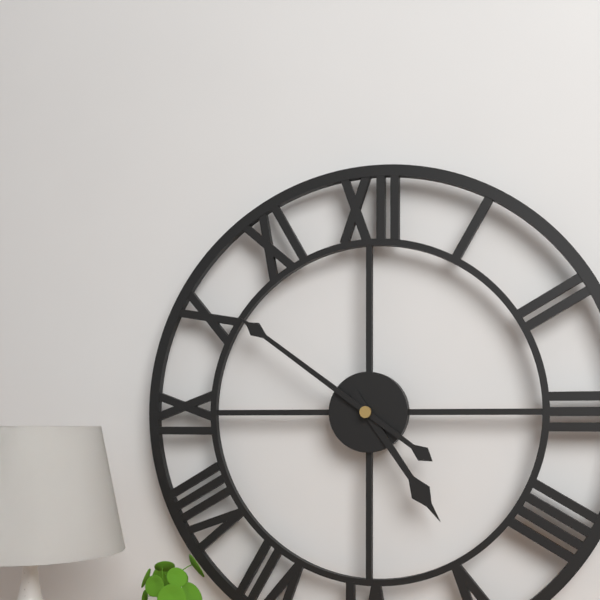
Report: 4:51
